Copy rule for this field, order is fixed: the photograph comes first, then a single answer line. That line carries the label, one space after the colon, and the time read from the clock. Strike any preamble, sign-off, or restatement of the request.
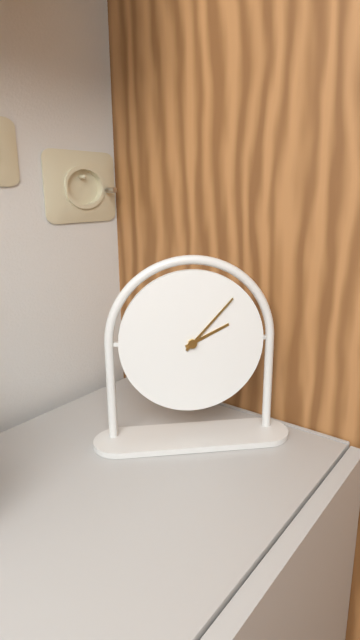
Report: 2:07
